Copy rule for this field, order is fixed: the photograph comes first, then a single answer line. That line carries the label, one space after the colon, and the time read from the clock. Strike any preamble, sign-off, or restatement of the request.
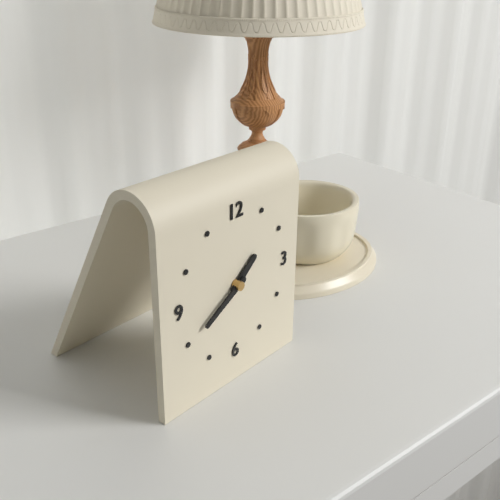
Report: 1:40
